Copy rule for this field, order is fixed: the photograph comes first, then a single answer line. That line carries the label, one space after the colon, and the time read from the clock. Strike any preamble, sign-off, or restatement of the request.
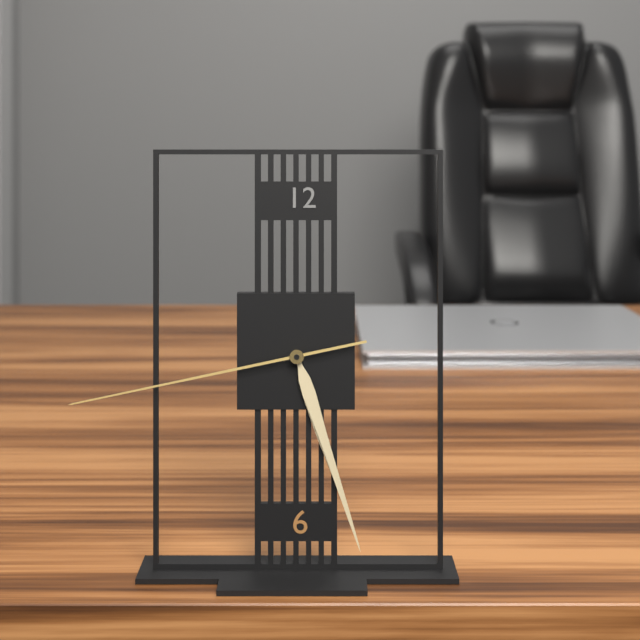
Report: 5:27:43
